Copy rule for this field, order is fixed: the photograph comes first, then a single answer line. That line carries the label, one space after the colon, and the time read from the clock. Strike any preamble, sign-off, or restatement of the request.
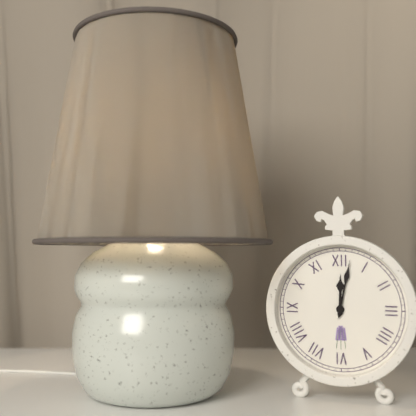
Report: 12:02
